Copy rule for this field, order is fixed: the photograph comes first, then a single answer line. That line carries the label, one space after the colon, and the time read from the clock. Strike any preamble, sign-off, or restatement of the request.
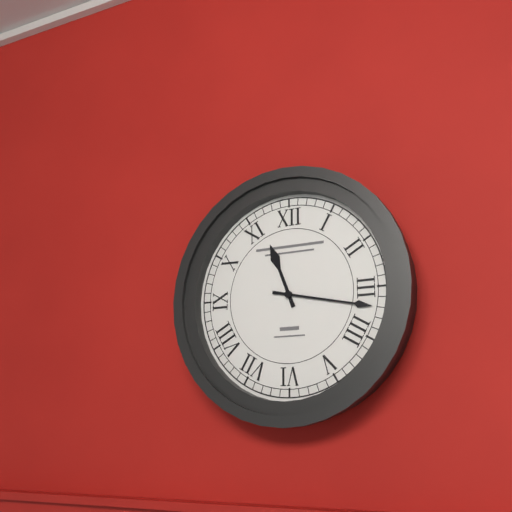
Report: 11:17
